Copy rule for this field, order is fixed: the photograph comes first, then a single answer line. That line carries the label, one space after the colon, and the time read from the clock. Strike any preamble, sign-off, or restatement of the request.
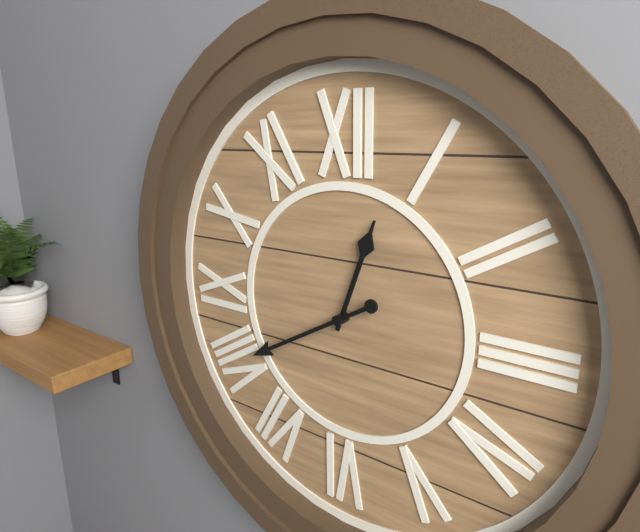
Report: 12:40
